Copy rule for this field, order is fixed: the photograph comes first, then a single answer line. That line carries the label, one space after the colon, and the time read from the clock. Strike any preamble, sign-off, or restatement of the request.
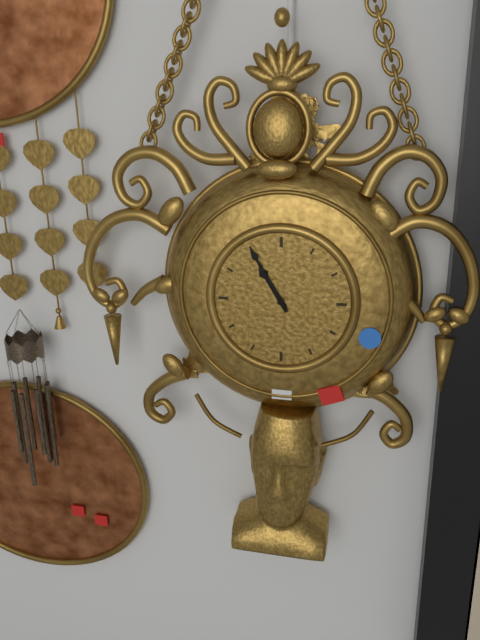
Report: 10:55
